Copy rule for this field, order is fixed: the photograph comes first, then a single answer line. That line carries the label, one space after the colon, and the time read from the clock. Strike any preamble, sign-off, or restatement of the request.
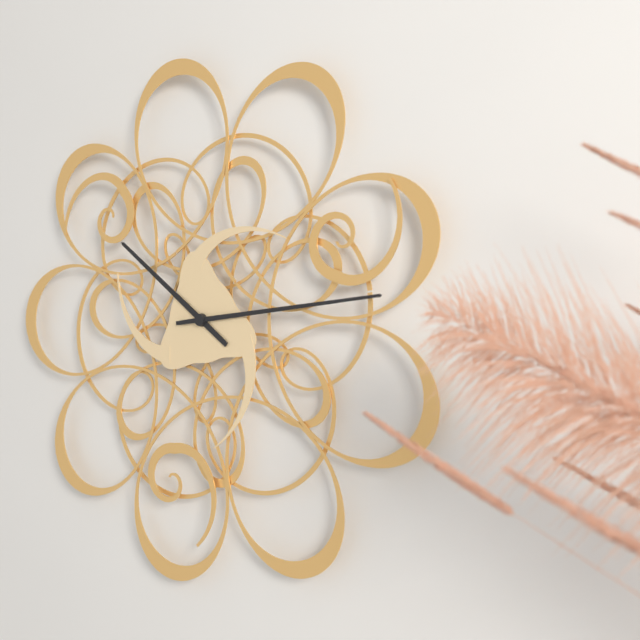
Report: 10:14
